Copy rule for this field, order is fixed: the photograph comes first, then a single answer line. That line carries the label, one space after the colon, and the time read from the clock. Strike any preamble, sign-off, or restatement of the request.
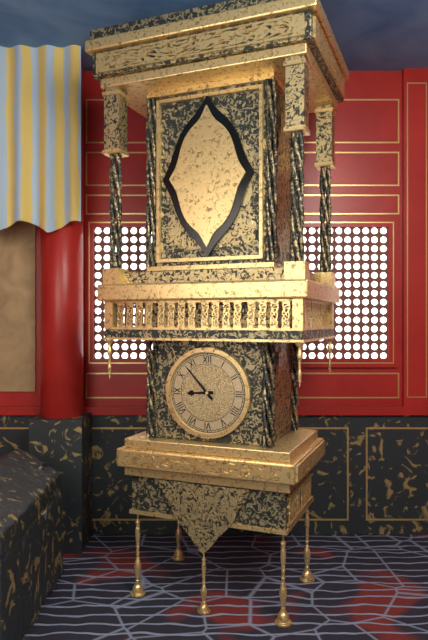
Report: 8:53
